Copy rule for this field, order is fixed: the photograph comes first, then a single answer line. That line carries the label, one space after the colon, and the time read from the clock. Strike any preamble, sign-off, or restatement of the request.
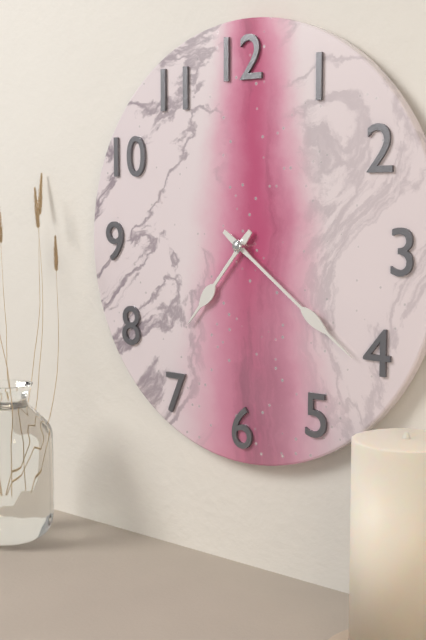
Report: 7:21
